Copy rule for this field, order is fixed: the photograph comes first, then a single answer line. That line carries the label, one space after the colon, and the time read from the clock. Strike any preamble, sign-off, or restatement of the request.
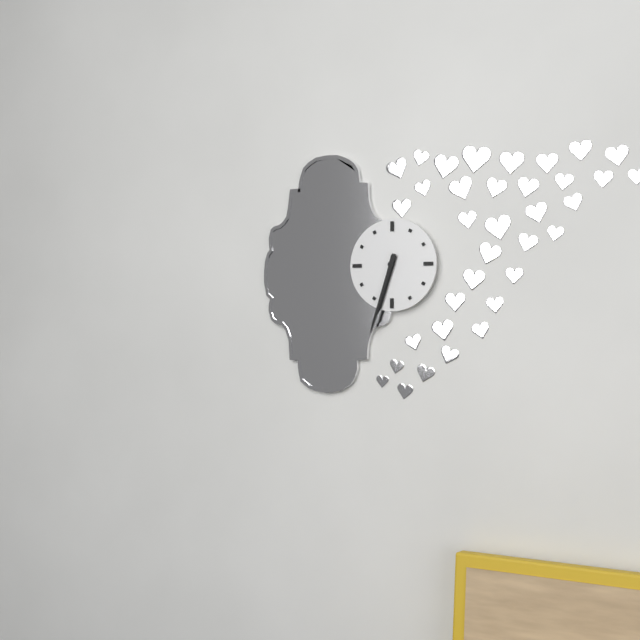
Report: 6:33
